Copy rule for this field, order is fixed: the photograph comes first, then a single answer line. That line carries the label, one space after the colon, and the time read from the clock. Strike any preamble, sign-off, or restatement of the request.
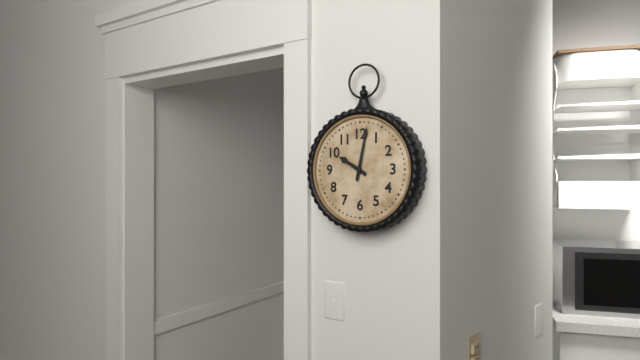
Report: 10:02
